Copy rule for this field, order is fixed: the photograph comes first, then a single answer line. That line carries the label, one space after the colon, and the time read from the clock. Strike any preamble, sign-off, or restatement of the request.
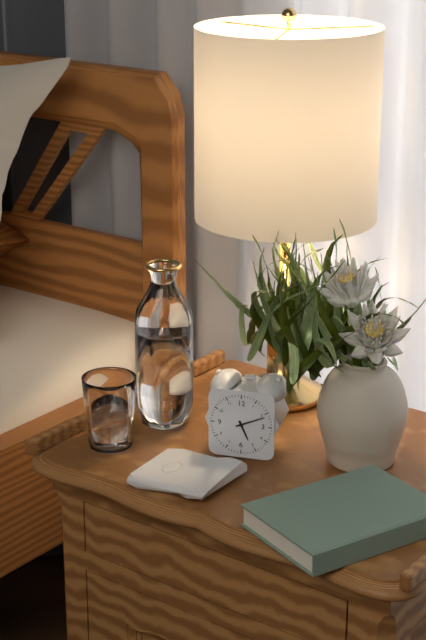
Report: 5:11
